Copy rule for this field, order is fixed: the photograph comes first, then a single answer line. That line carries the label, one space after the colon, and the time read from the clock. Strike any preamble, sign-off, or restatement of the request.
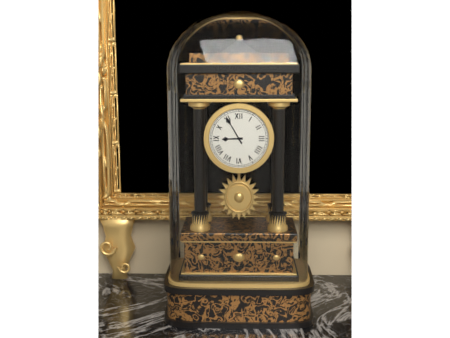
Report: 8:55
